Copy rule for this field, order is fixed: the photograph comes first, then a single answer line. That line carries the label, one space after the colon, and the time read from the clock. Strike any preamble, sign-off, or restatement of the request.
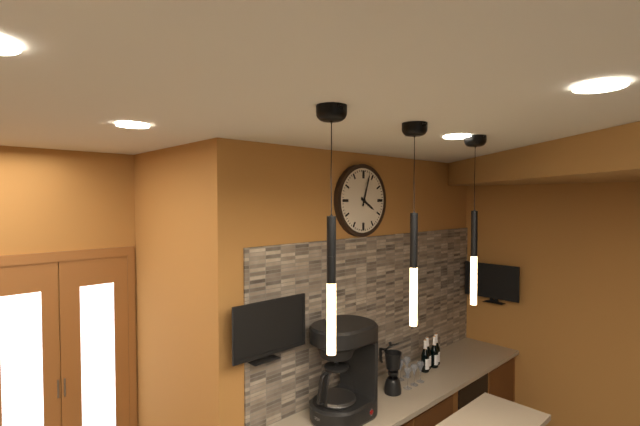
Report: 4:03
